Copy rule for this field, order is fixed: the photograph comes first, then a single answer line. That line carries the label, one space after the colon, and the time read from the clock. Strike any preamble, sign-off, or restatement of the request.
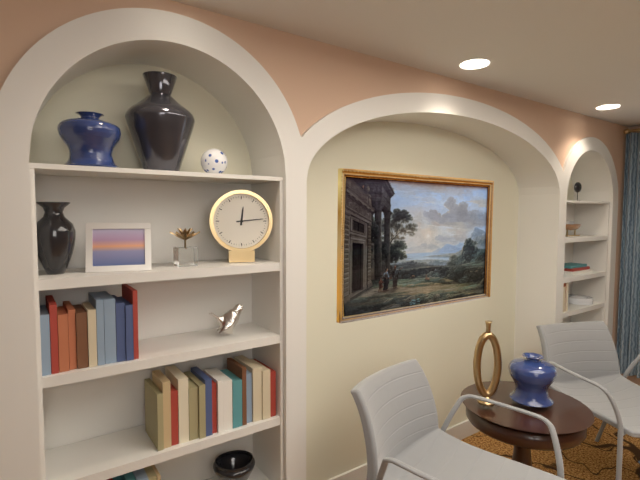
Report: 12:14
